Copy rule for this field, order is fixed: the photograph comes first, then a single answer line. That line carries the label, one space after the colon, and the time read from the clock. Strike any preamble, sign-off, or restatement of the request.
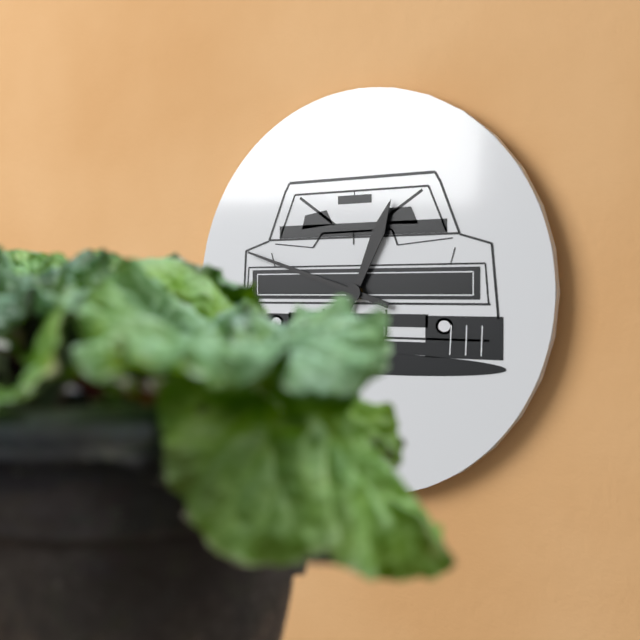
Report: 12:48
